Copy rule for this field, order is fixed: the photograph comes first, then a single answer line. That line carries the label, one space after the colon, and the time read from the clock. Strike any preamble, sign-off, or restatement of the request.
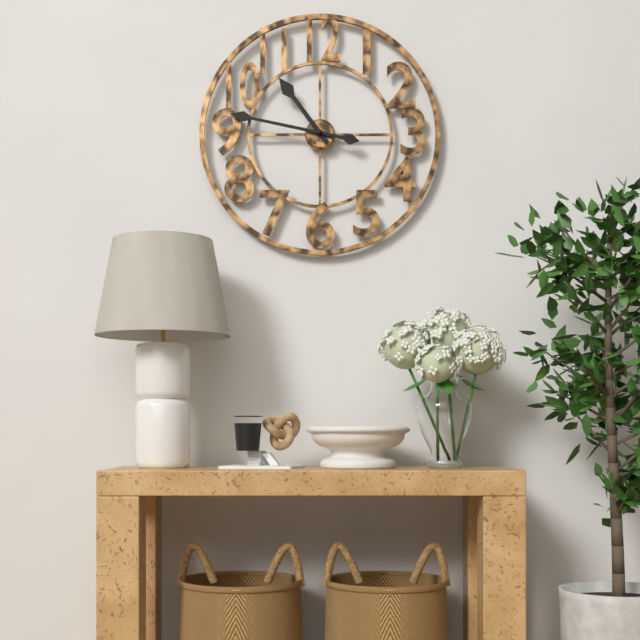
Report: 10:47
